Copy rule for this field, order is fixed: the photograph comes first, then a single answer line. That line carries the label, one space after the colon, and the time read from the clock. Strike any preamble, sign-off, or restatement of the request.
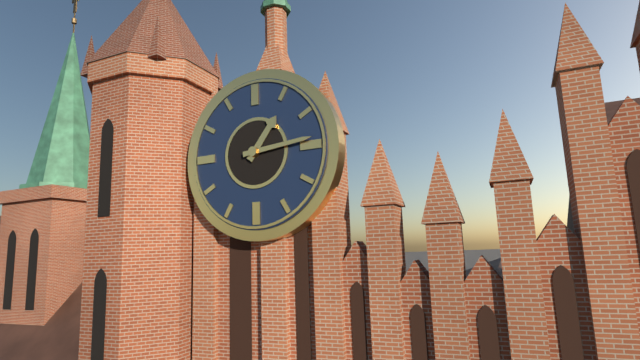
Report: 1:14
